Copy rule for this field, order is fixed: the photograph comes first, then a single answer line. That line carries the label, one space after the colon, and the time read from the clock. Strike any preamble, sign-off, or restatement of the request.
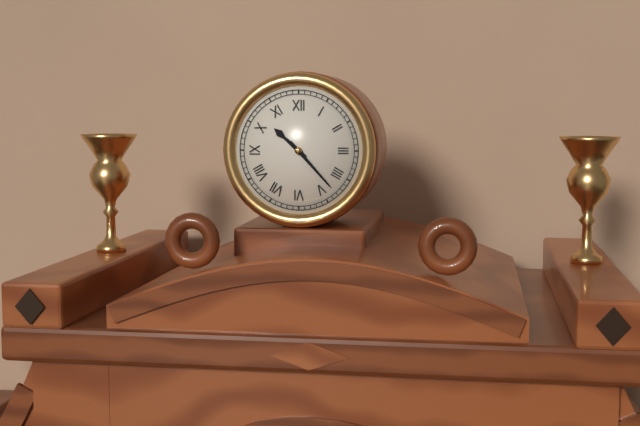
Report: 10:23
